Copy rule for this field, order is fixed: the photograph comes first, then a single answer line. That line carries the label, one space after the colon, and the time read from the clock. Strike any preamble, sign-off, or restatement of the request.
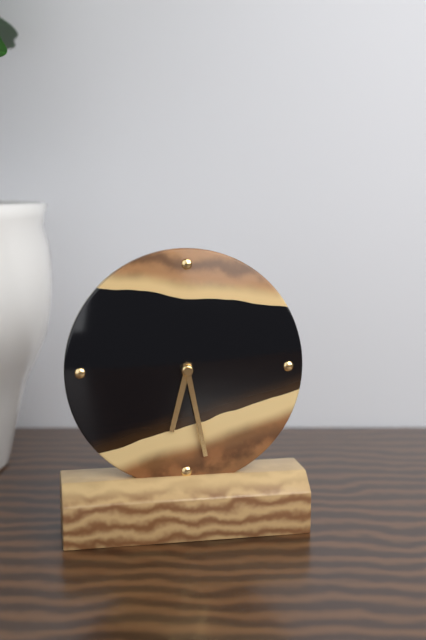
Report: 6:28
